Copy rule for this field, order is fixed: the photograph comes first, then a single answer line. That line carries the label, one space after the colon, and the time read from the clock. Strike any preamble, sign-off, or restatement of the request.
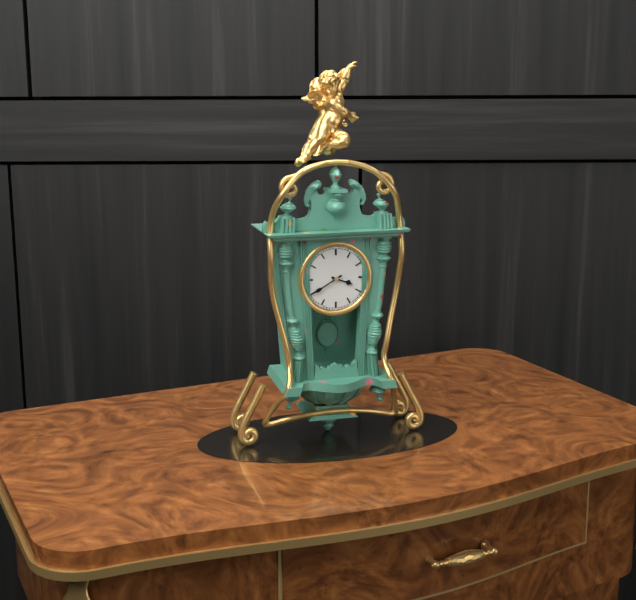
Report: 3:40
